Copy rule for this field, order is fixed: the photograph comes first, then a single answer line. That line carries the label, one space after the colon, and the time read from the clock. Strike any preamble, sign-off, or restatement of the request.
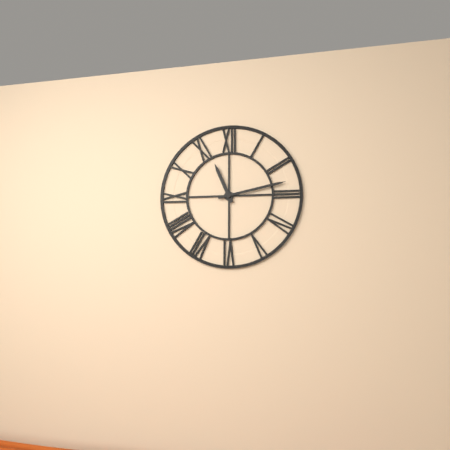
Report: 11:13
